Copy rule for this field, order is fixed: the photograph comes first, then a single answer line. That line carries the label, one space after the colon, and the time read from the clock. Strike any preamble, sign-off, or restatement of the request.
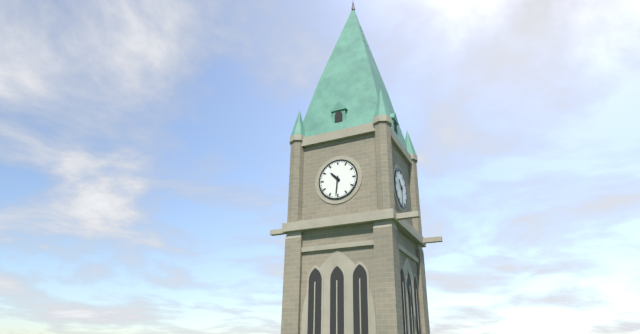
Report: 10:31
